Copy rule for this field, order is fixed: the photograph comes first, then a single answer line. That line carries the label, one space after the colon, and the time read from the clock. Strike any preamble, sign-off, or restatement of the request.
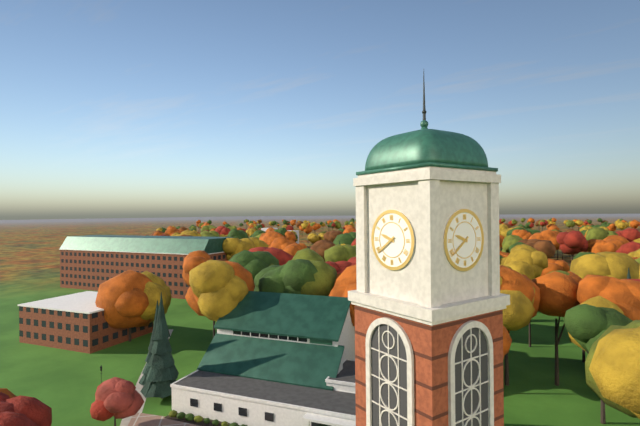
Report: 9:39
